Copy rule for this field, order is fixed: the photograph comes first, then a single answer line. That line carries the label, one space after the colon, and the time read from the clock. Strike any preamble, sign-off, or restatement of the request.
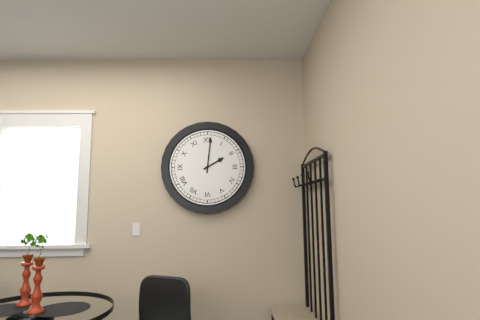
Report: 2:01
